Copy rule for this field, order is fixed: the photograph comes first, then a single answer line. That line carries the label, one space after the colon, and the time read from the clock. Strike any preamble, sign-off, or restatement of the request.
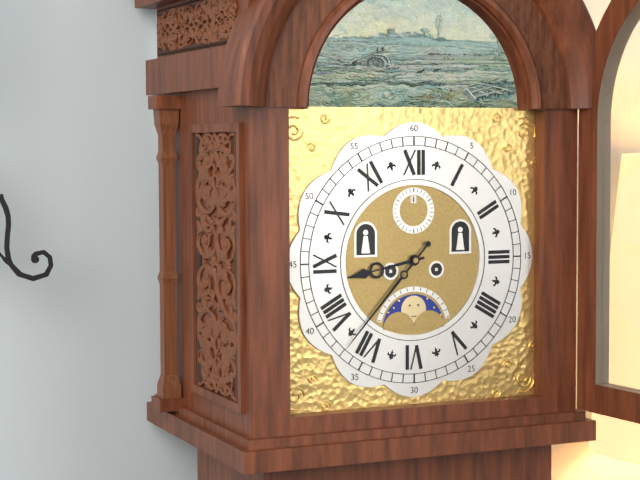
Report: 8:37
